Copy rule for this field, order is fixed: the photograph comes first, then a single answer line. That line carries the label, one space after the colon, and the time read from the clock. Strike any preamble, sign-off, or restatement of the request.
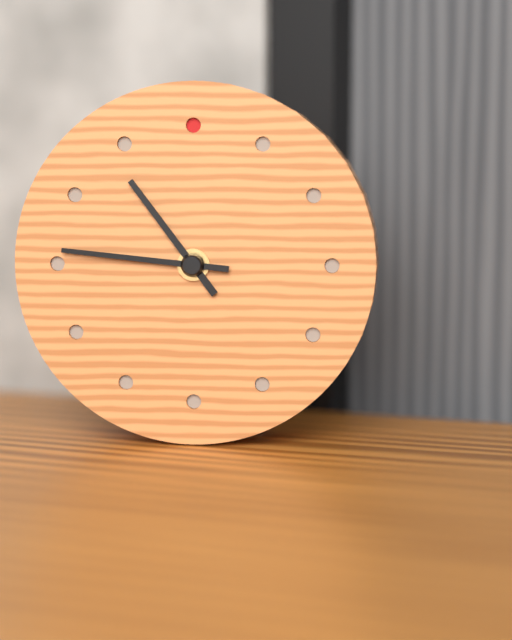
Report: 10:46
